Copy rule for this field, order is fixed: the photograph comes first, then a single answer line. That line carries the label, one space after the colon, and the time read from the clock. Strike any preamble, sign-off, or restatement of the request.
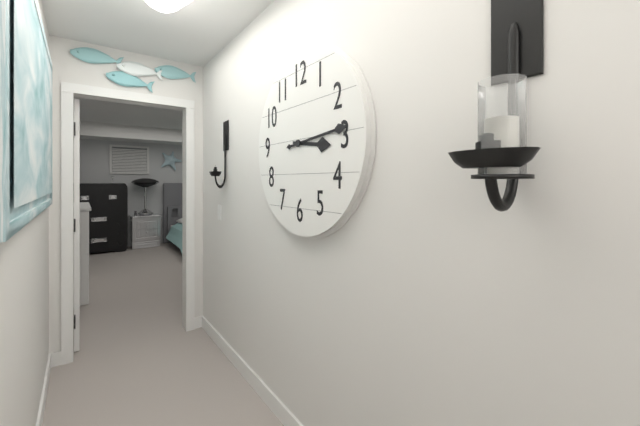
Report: 3:14
